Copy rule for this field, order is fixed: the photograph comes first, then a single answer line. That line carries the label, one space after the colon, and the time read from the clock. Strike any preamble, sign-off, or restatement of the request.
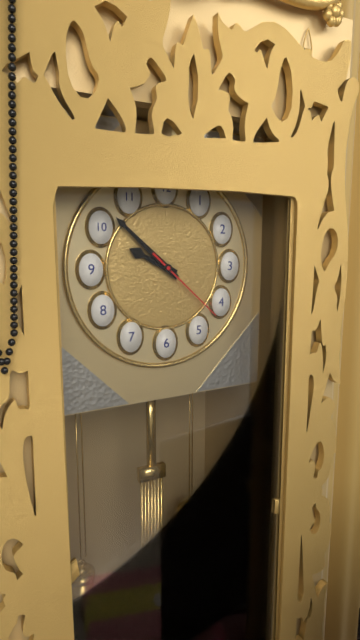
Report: 9:52:22
